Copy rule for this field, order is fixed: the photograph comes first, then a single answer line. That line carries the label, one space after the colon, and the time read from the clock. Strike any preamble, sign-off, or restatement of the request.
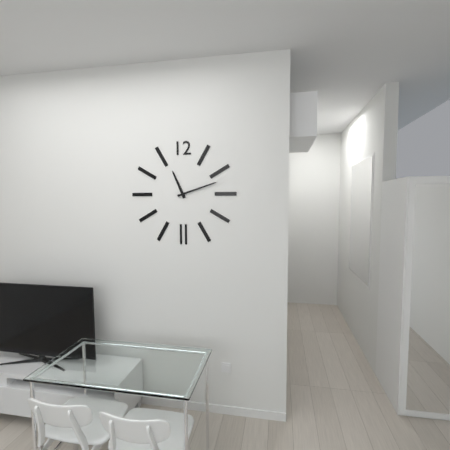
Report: 11:12
